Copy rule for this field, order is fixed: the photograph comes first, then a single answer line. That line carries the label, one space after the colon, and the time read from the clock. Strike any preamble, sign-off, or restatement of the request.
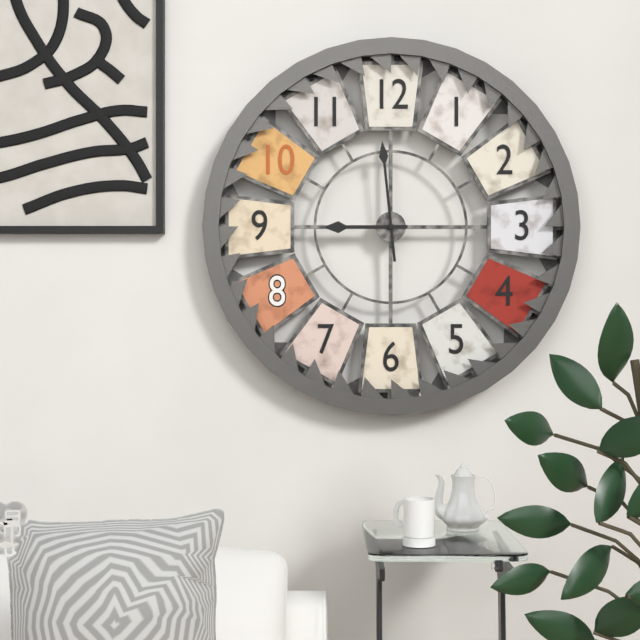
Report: 8:59
